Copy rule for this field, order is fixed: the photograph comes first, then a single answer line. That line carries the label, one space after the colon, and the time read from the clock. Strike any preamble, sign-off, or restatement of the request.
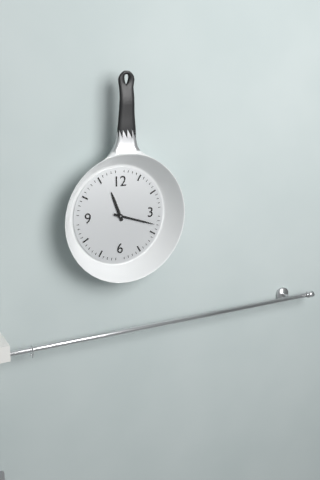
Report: 11:18
